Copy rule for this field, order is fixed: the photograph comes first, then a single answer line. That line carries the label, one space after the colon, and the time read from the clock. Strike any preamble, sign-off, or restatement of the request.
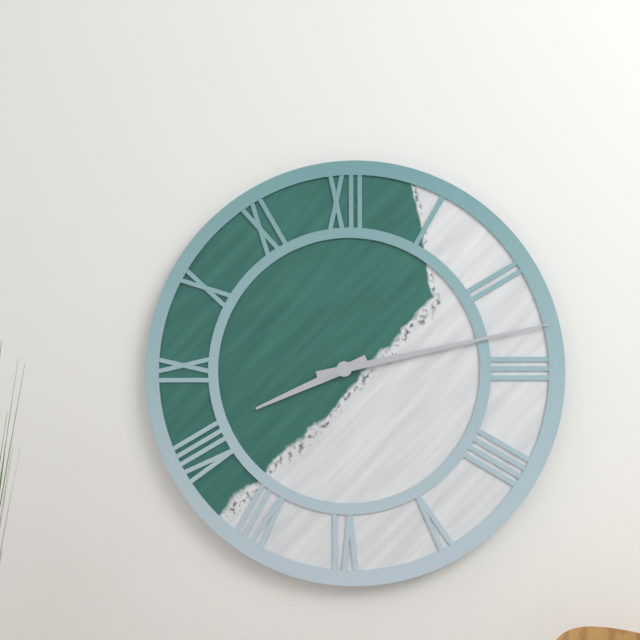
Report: 8:13
